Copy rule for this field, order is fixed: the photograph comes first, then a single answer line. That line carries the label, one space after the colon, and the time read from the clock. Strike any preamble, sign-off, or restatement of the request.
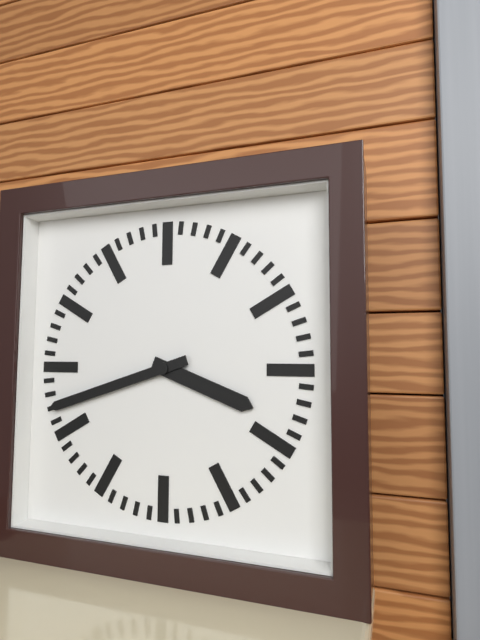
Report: 3:42
